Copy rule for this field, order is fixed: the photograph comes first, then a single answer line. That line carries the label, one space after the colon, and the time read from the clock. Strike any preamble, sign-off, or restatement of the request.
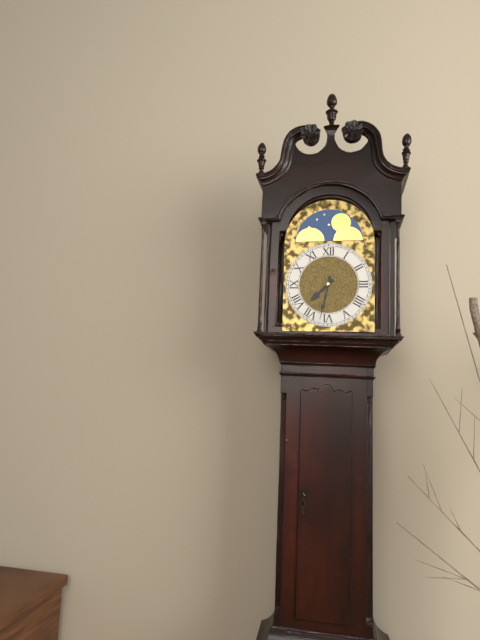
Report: 7:32
